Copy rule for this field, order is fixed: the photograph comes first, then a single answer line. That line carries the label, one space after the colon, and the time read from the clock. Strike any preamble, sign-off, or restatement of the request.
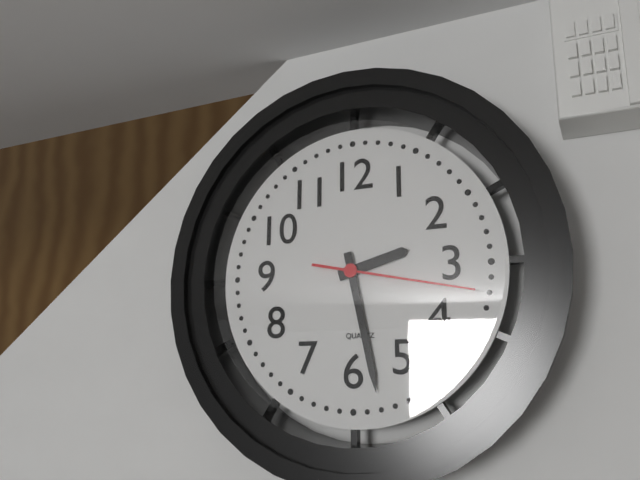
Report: 2:28:17
